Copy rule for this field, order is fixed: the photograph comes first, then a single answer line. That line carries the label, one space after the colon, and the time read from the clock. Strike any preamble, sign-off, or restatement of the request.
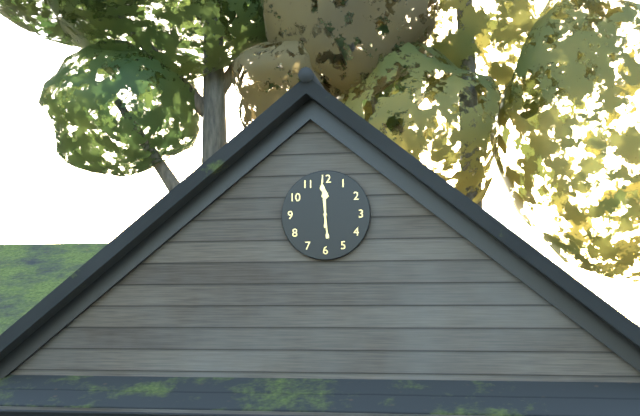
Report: 11:59
